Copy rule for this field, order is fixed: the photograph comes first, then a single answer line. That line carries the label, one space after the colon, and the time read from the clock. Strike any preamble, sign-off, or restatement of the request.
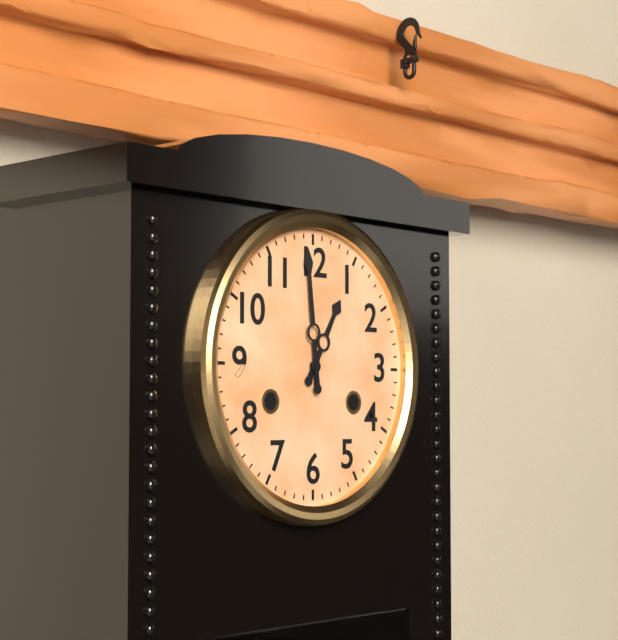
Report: 12:59
